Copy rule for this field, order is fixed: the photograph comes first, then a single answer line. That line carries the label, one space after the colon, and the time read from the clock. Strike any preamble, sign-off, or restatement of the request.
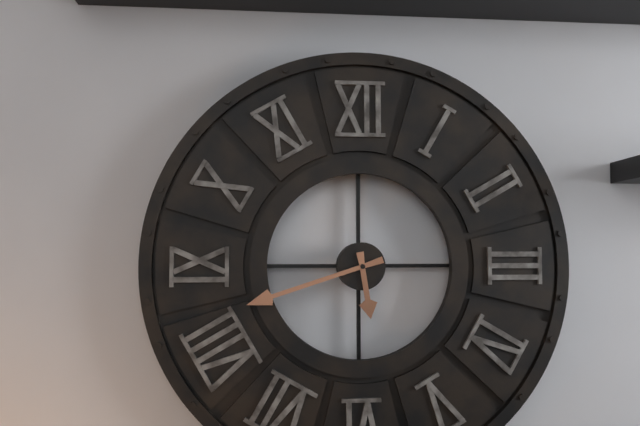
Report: 5:42
